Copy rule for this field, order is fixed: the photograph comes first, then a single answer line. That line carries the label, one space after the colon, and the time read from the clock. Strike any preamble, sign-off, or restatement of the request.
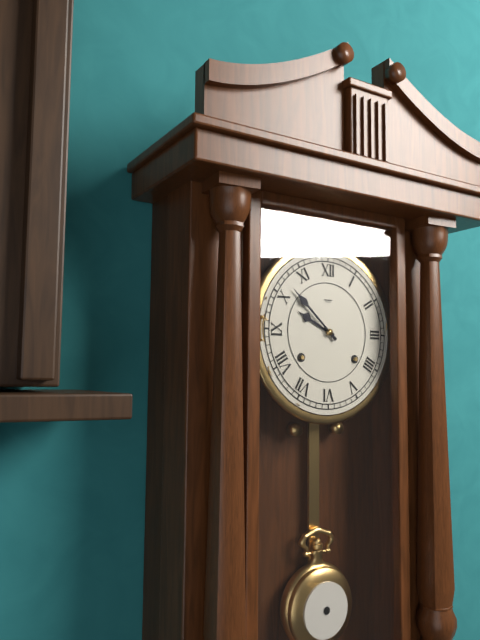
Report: 9:52
